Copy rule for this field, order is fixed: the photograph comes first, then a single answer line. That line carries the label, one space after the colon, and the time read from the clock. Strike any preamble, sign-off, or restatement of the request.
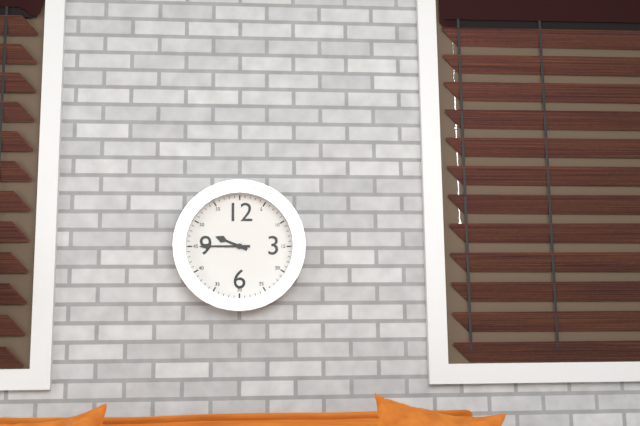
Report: 9:45
